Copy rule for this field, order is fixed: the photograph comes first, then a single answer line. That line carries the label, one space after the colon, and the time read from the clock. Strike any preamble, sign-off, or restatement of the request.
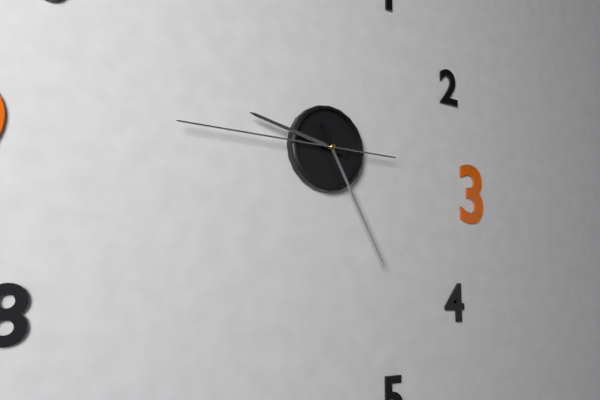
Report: 9:25:45
